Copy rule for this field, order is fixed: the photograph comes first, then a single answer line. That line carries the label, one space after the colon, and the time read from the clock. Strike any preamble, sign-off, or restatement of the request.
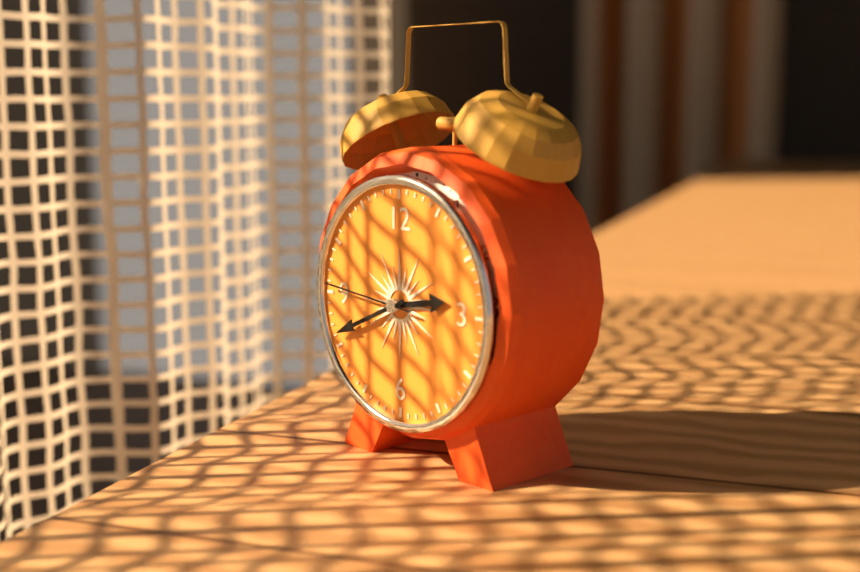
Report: 2:41:46
